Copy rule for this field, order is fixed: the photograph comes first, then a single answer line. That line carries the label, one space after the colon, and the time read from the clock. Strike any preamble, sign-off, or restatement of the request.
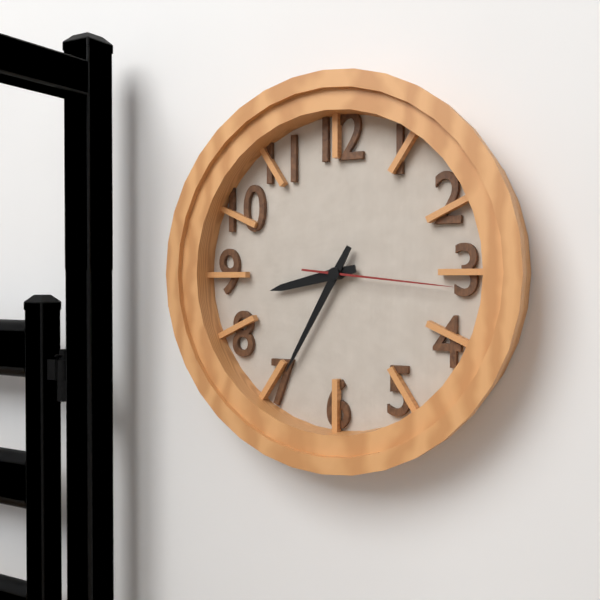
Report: 8:35:16
